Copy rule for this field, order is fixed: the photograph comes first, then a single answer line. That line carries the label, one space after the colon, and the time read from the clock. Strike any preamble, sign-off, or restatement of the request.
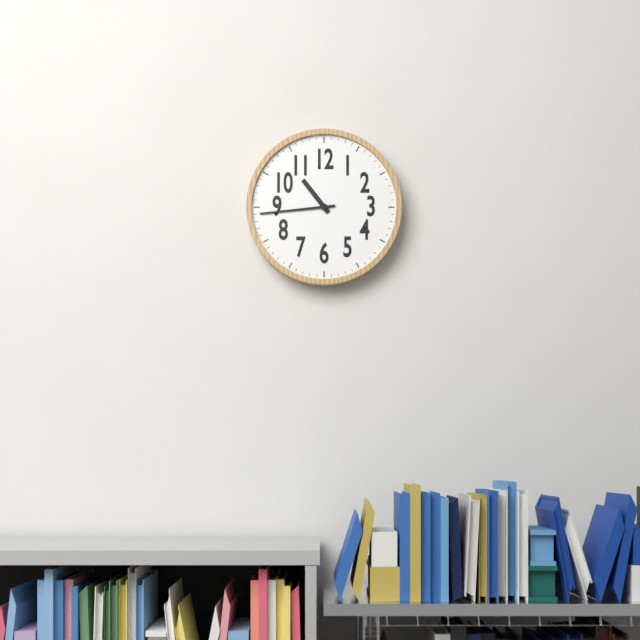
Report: 10:44
